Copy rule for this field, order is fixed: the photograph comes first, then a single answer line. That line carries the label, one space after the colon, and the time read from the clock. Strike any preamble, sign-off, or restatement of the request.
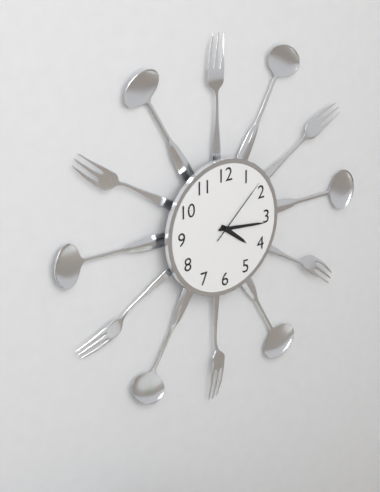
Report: 4:16:08
